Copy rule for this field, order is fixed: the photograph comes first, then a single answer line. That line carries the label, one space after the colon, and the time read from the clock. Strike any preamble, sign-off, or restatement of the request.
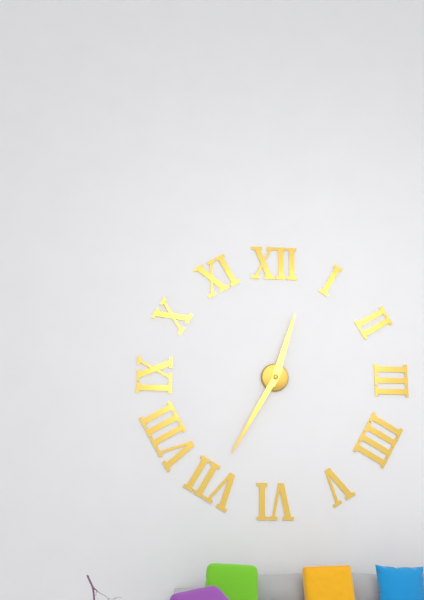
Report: 12:35
